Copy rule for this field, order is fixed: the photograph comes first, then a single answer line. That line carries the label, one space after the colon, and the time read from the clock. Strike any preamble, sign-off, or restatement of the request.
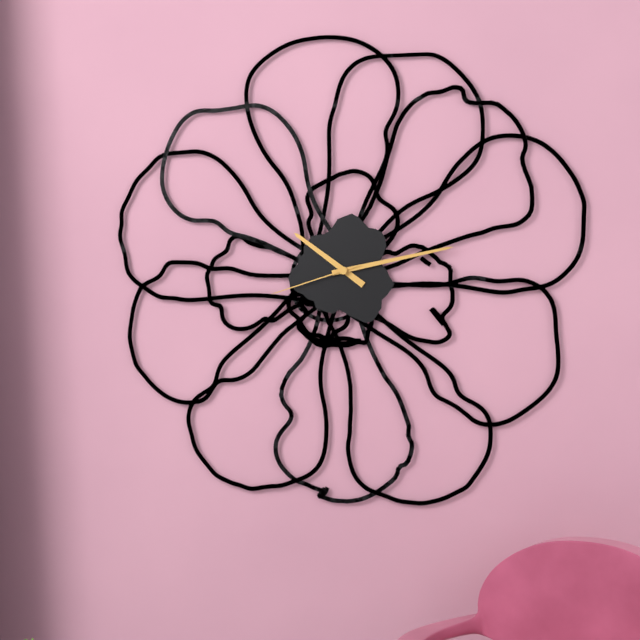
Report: 10:13:42
